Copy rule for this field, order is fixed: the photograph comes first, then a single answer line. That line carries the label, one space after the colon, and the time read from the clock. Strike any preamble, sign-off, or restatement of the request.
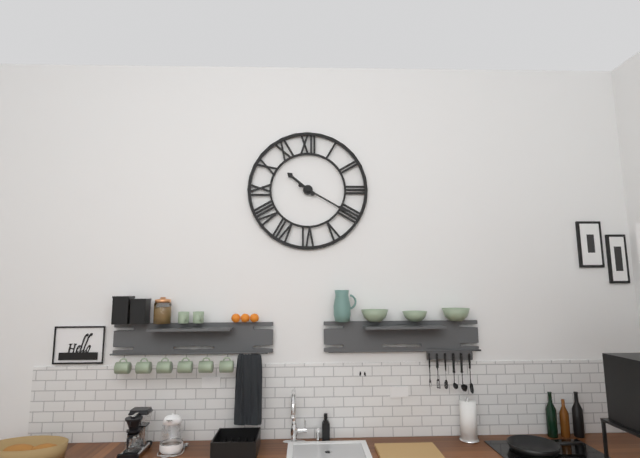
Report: 10:20
